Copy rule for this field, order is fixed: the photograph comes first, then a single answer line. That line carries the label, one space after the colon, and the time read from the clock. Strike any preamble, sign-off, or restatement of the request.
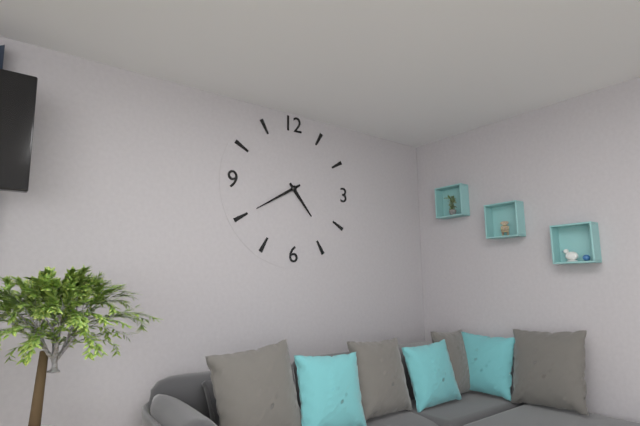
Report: 4:40
